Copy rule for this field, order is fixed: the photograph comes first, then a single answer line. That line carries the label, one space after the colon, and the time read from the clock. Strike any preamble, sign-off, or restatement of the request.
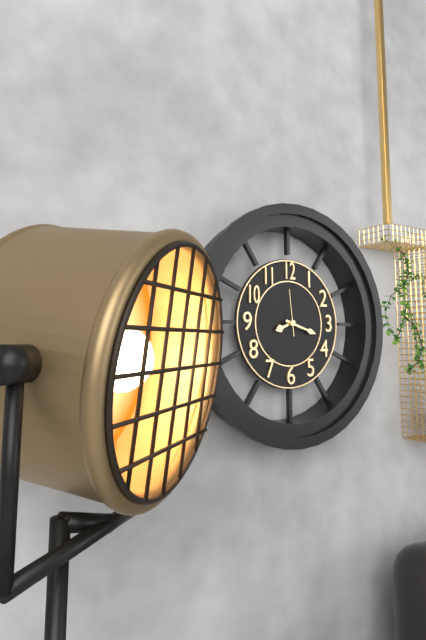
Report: 8:18
